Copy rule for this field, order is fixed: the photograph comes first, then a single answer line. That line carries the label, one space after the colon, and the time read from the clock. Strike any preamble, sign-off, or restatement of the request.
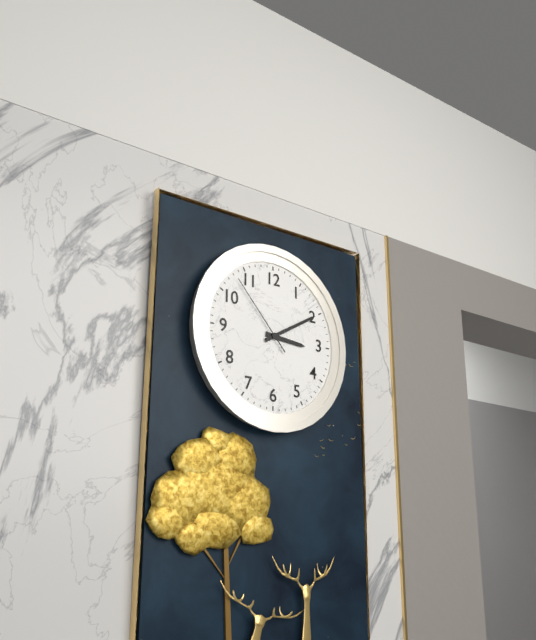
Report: 3:10:53
